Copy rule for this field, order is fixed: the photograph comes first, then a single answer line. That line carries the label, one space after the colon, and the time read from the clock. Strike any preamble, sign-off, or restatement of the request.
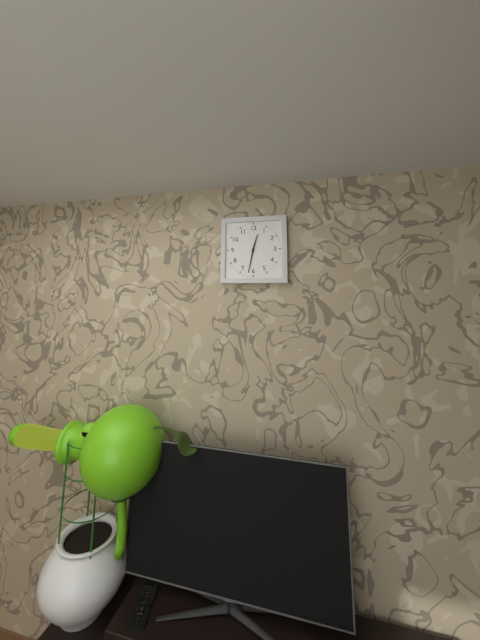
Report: 12:32
